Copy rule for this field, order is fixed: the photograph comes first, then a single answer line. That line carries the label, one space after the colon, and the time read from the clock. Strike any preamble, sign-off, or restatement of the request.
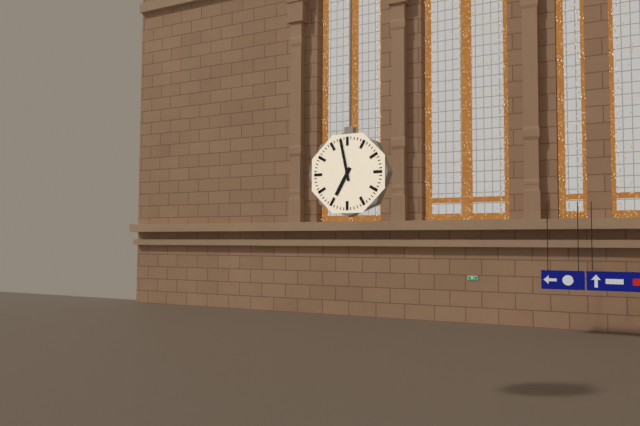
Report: 6:58
